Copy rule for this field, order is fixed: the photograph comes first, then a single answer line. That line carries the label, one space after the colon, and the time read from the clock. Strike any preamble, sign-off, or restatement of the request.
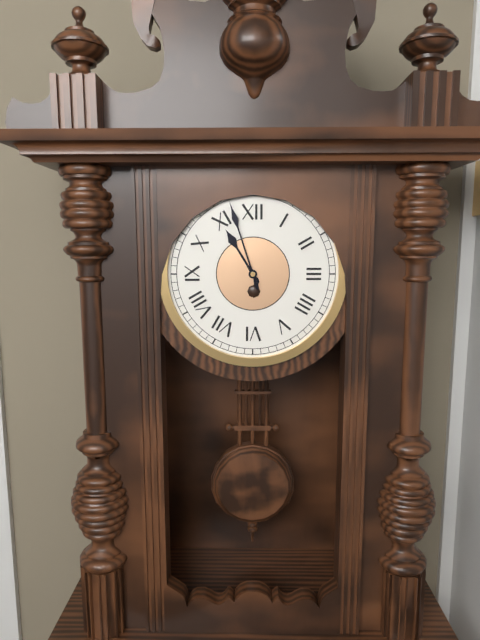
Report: 10:57
